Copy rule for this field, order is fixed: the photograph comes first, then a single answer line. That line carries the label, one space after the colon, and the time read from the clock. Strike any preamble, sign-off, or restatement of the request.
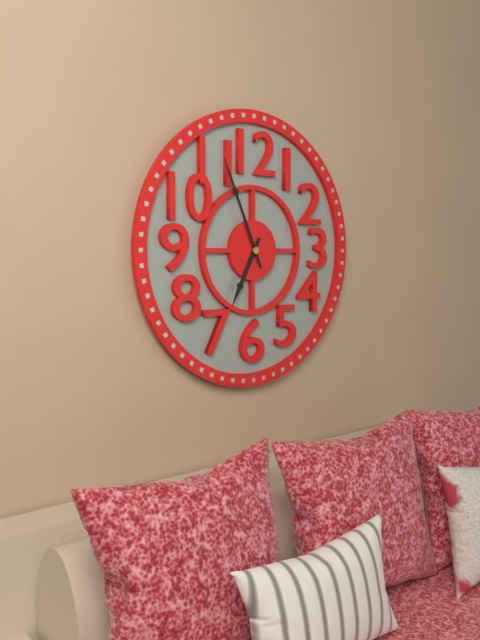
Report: 6:56
